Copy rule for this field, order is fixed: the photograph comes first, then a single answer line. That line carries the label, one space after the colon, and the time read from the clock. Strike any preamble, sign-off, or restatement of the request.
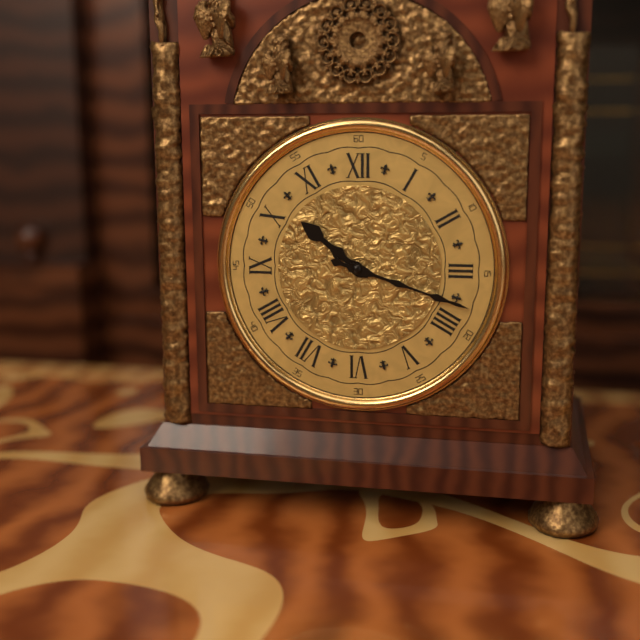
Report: 10:18
